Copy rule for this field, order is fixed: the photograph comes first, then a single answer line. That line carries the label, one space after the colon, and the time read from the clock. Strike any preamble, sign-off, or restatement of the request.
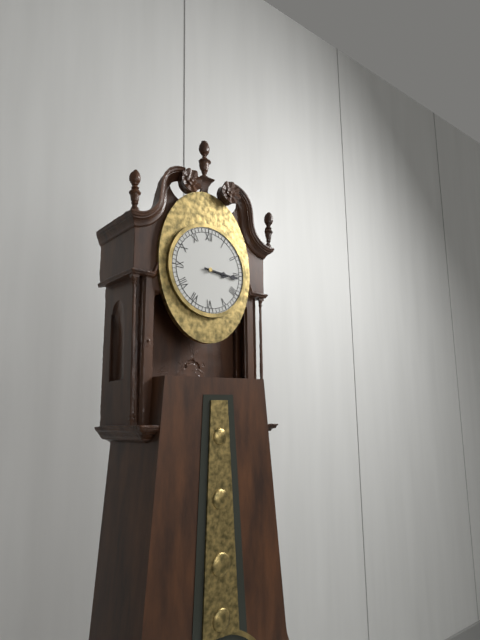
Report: 3:16
